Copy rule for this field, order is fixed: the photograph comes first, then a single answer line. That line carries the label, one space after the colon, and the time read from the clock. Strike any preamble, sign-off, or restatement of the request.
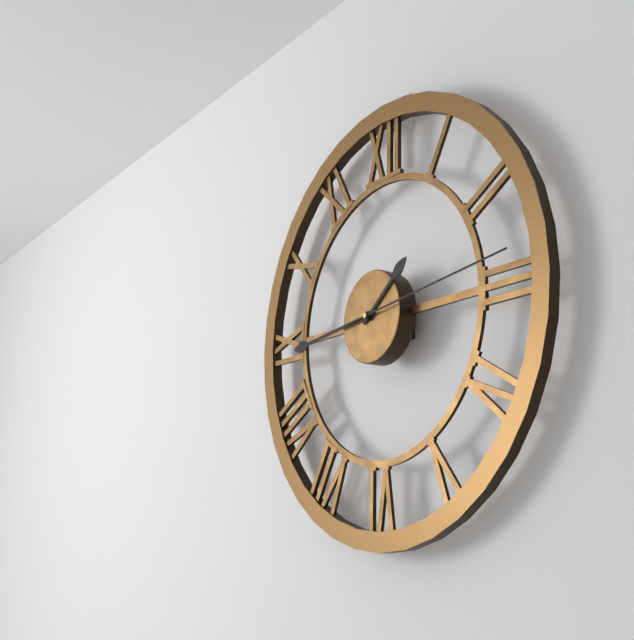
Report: 1:44:14
